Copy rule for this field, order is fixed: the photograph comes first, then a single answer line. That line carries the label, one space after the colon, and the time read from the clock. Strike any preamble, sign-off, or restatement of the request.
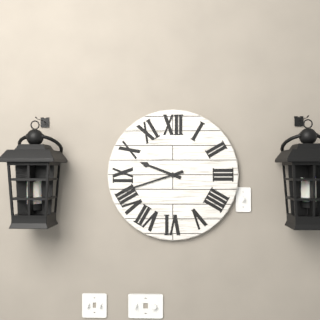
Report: 9:42
